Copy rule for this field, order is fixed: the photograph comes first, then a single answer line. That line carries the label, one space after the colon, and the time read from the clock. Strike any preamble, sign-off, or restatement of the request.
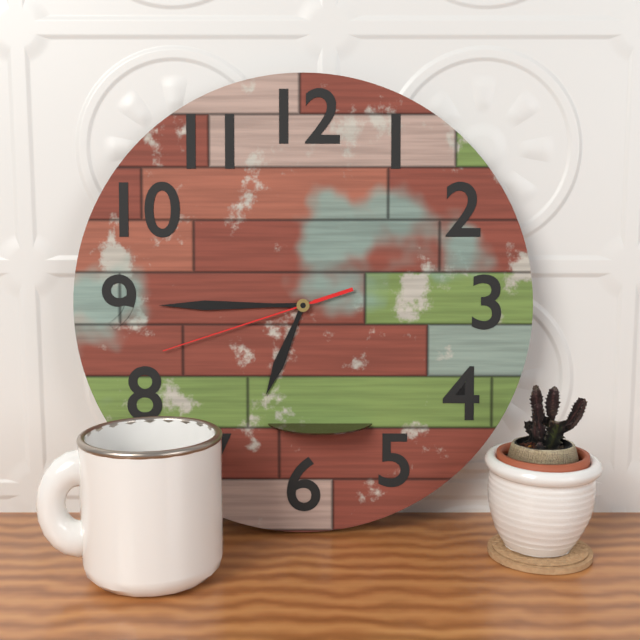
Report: 6:45:42
